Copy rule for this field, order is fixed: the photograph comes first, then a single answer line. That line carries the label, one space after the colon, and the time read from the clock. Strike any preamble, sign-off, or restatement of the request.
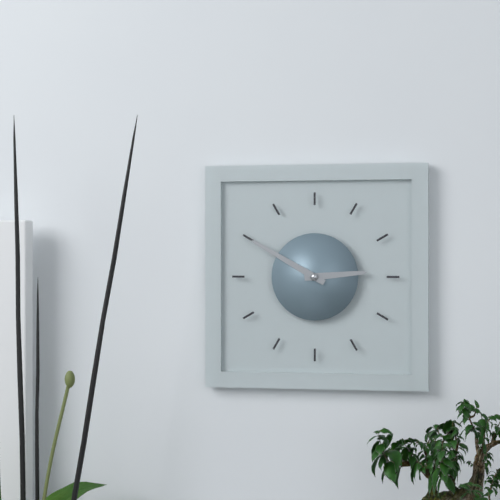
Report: 2:50
